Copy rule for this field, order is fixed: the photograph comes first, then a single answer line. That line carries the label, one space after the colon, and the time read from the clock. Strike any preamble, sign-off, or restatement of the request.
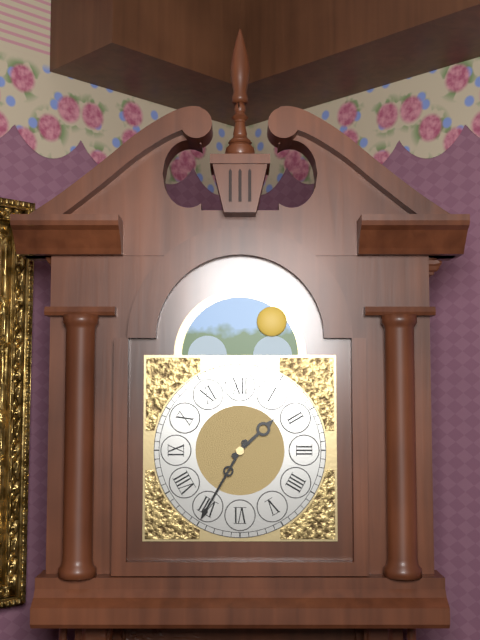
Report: 1:35
